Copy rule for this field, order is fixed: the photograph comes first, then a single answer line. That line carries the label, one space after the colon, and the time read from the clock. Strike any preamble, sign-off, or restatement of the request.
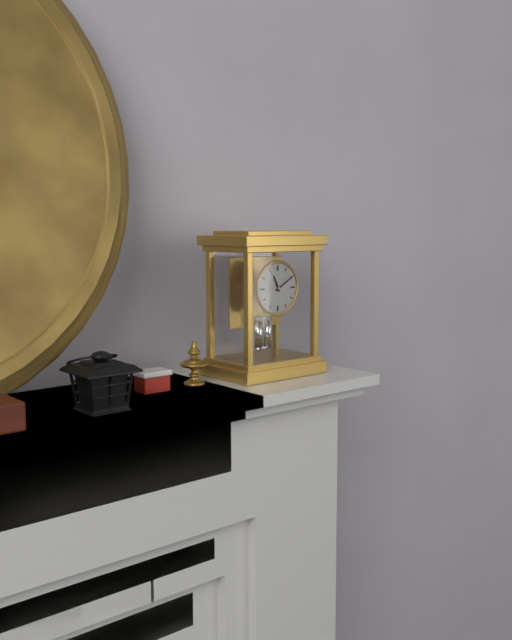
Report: 11:10
